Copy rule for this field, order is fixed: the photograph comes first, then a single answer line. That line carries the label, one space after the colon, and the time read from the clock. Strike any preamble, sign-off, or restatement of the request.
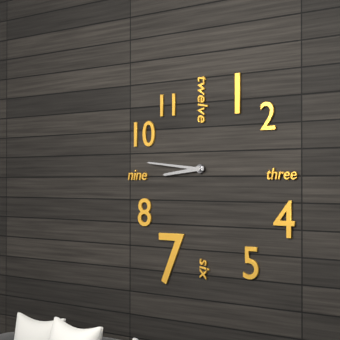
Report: 8:46
